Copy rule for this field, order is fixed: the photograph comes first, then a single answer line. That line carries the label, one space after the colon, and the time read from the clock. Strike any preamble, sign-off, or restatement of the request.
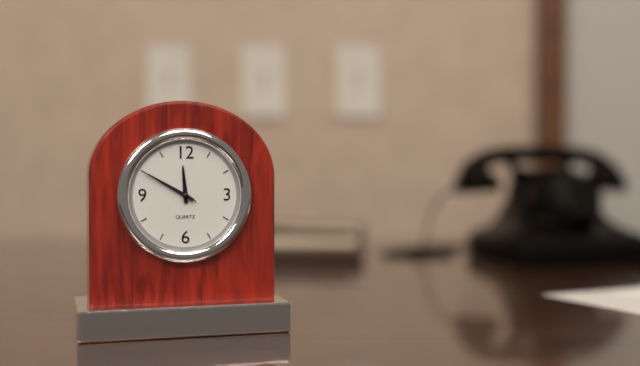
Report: 11:50:50
